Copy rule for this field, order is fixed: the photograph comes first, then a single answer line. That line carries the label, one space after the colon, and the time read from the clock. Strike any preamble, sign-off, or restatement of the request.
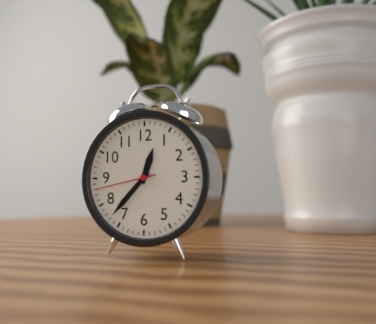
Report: 12:37:43
